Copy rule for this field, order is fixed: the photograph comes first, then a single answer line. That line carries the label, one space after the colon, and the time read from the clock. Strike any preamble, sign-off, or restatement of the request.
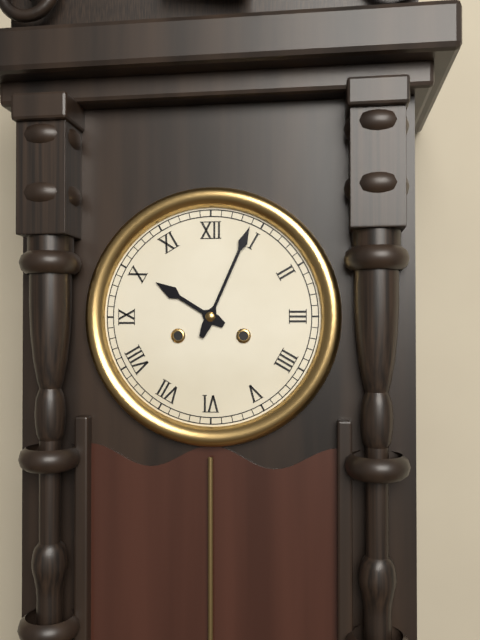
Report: 10:04
